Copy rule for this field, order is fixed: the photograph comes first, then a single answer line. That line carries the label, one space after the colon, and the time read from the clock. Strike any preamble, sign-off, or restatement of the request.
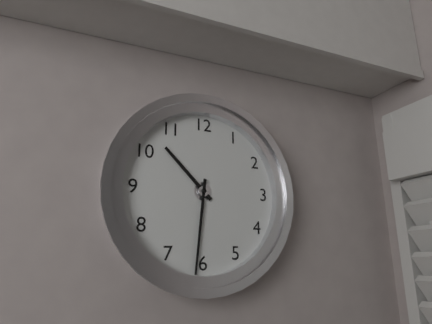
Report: 10:31
